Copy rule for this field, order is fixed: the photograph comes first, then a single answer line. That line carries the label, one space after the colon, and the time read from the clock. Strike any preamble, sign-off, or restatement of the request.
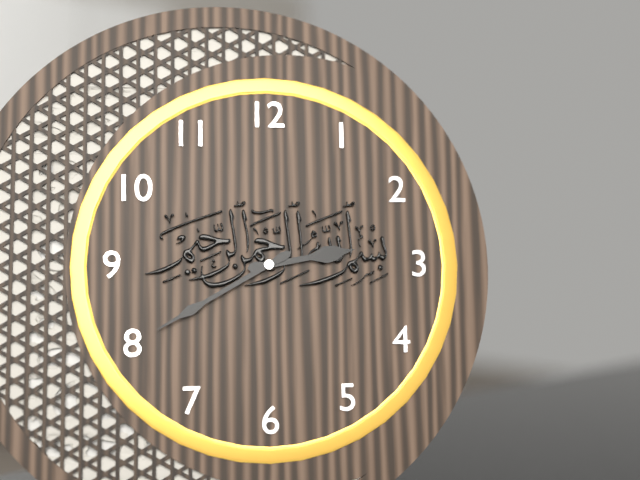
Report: 2:40
